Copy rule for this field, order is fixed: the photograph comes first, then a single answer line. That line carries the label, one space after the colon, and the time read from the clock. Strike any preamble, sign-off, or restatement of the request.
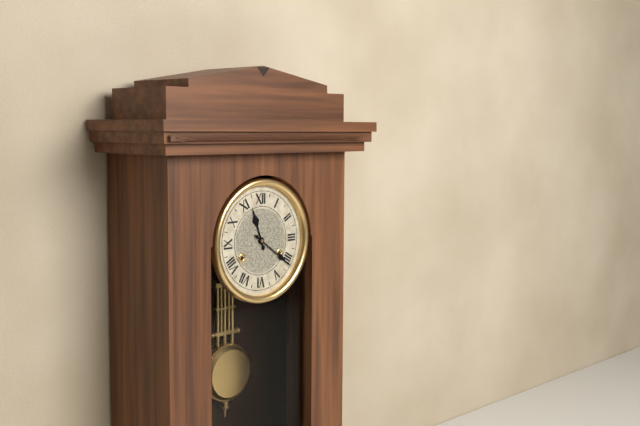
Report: 11:21
